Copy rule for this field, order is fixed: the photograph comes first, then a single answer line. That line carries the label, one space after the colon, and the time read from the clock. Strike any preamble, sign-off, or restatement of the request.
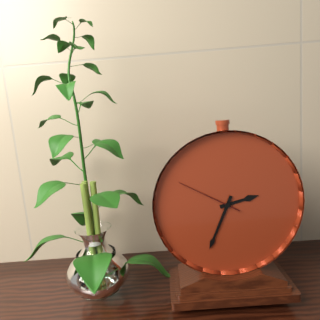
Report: 2:34:50
